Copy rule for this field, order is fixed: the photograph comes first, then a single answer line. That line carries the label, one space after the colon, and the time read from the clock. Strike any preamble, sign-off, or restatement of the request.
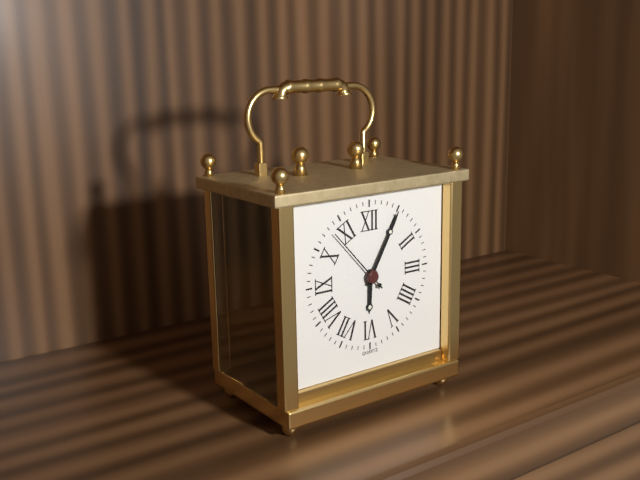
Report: 6:05:53
